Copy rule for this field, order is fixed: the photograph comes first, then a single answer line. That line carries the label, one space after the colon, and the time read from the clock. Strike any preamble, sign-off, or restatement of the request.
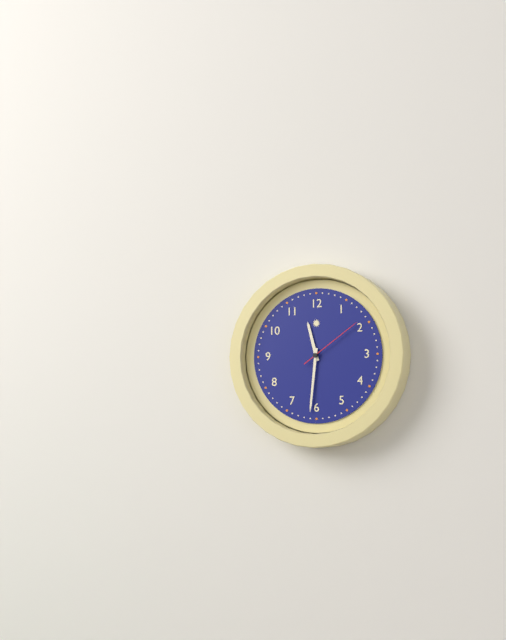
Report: 11:31:09
